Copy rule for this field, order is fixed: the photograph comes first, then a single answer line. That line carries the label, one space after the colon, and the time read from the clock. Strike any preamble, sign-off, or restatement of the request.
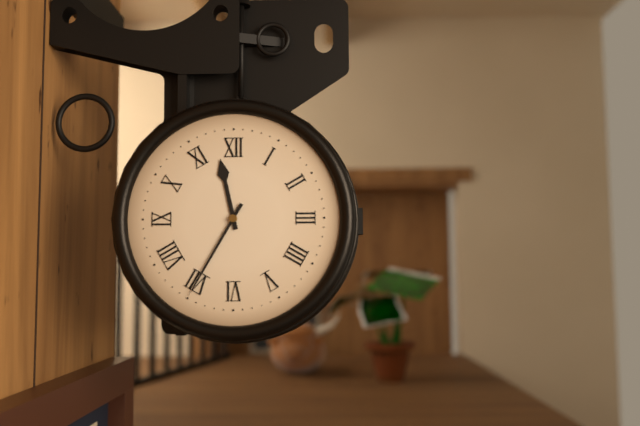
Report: 11:35
